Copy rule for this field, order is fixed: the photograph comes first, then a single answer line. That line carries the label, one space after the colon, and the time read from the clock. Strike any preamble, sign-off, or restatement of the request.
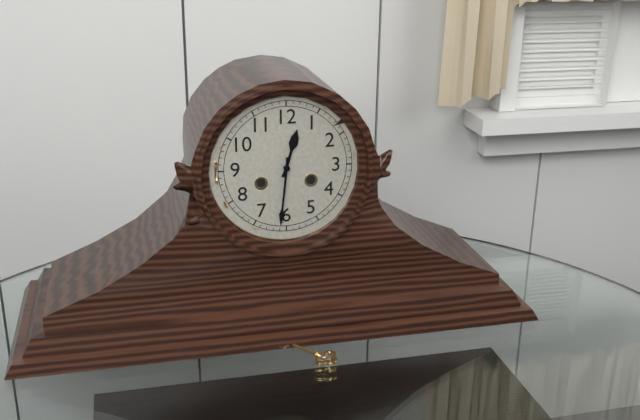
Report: 12:31
